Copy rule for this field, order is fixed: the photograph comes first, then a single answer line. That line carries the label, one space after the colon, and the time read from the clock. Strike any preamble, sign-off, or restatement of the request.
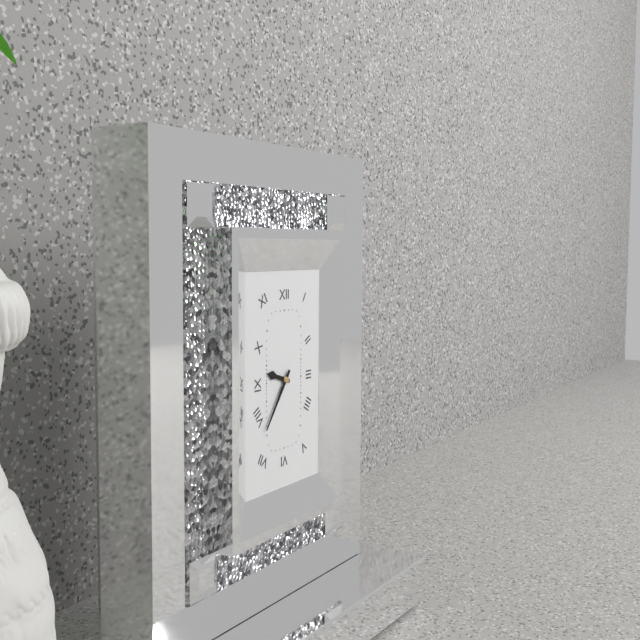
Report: 9:36
